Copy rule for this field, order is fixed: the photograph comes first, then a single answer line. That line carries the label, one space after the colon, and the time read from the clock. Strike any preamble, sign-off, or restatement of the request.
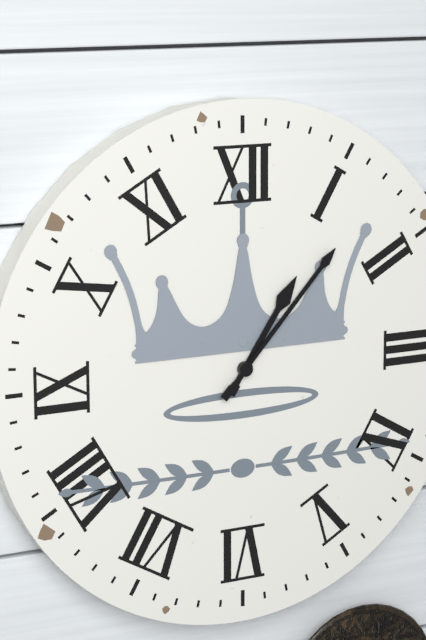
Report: 1:07
